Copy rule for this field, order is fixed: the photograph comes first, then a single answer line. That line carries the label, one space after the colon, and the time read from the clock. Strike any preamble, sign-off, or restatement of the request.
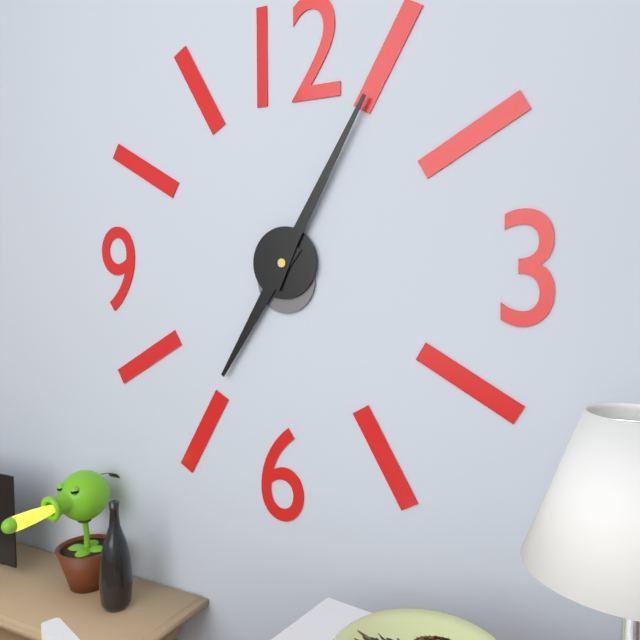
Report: 7:05
